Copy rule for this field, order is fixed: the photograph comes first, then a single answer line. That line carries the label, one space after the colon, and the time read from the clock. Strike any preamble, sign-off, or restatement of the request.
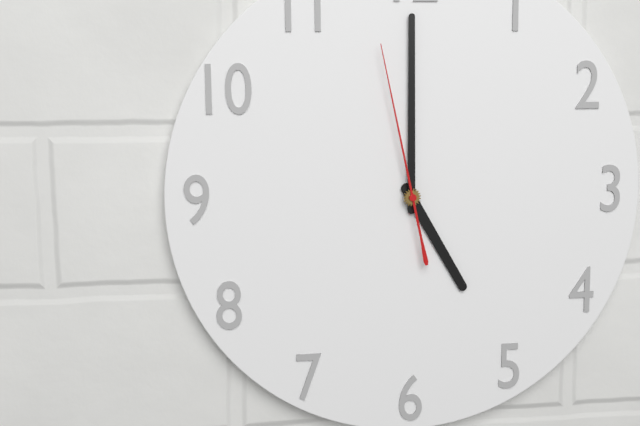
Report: 5:00:58
